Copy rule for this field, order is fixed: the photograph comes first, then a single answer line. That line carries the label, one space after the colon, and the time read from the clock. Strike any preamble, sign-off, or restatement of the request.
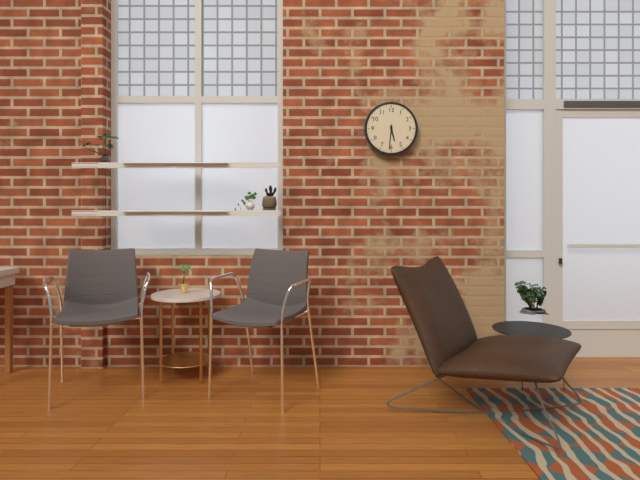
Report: 5:31
